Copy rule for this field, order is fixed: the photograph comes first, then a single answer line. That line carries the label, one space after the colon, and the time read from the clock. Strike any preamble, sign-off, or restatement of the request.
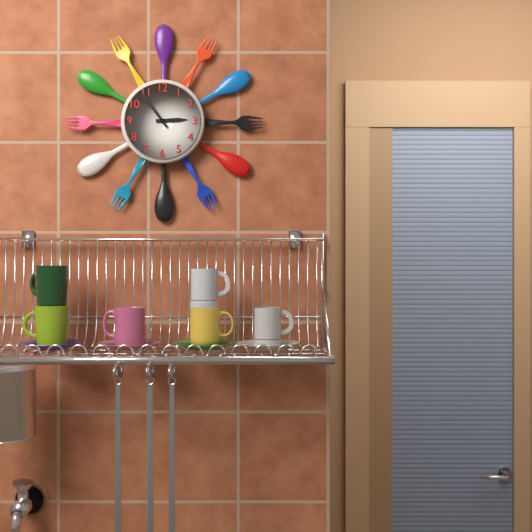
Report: 2:54
